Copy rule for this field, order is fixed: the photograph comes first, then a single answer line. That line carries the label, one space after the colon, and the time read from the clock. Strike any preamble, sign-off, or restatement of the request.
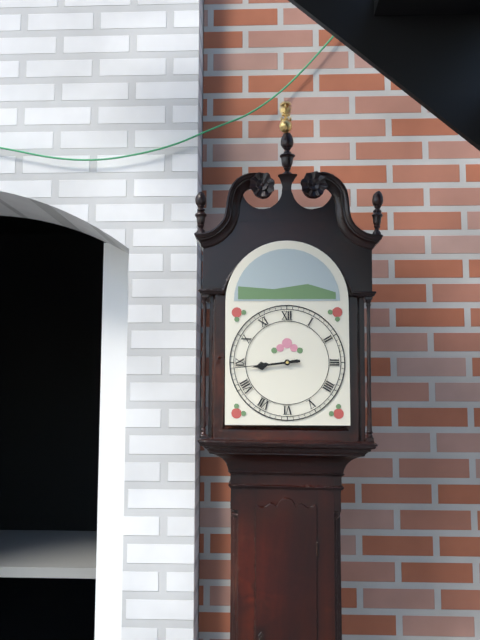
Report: 8:44
